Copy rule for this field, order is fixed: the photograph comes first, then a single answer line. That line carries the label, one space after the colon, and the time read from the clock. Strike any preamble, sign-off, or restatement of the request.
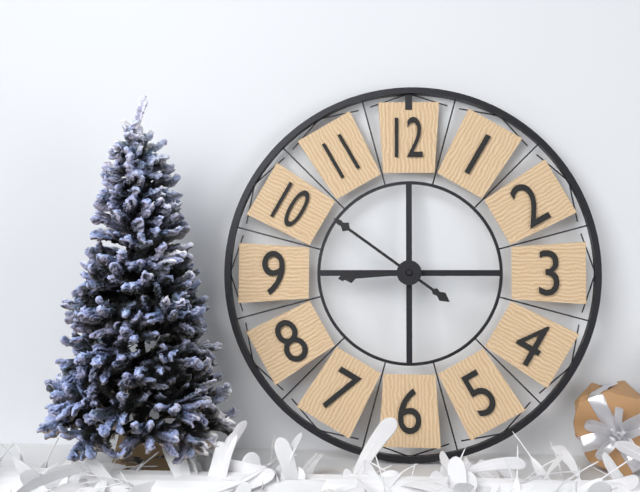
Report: 8:51
